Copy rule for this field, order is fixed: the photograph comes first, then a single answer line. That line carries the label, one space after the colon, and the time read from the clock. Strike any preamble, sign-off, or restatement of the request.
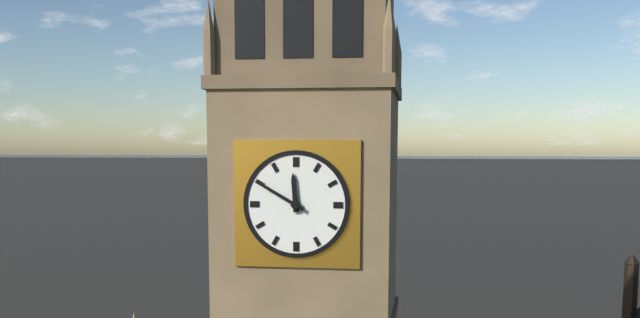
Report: 11:50
